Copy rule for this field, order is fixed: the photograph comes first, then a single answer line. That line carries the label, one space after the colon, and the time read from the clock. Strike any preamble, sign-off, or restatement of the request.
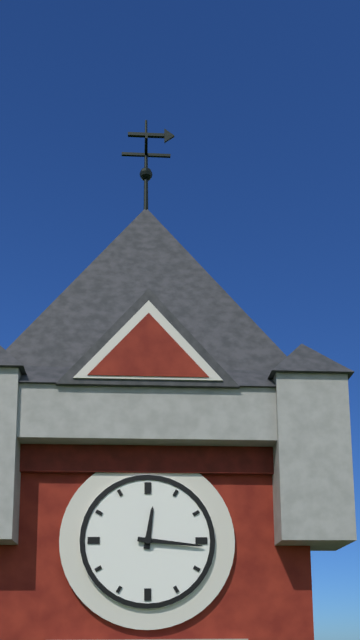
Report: 12:16
